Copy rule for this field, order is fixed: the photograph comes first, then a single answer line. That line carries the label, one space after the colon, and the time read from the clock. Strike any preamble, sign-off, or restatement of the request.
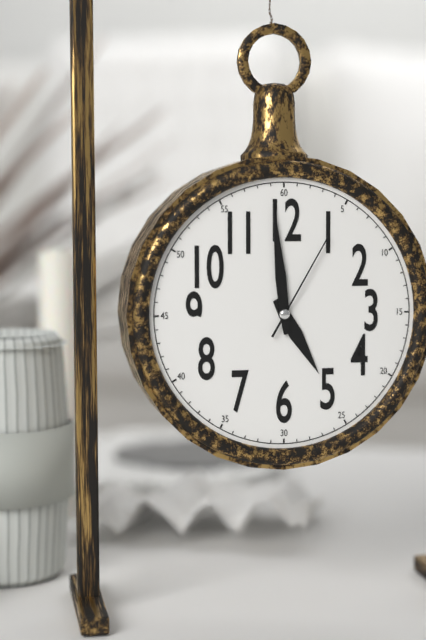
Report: 4:59:05
